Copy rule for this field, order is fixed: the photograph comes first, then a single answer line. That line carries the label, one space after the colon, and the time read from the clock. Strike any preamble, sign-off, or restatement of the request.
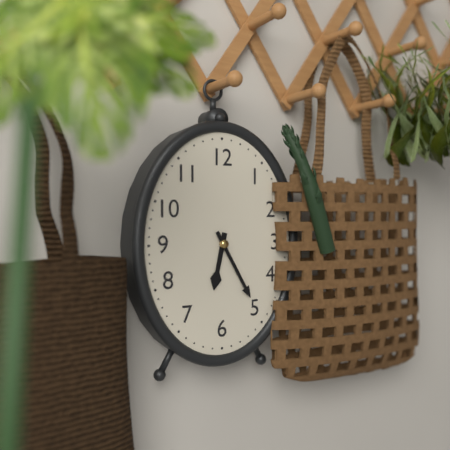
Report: 6:25
